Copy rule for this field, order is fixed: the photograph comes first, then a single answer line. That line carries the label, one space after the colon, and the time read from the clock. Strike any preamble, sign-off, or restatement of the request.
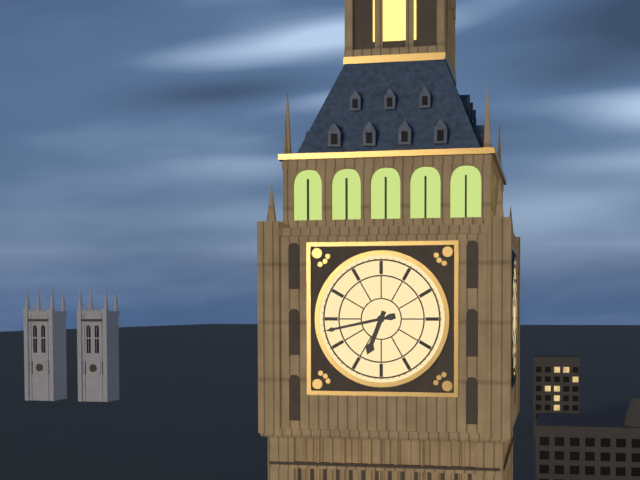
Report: 6:43
